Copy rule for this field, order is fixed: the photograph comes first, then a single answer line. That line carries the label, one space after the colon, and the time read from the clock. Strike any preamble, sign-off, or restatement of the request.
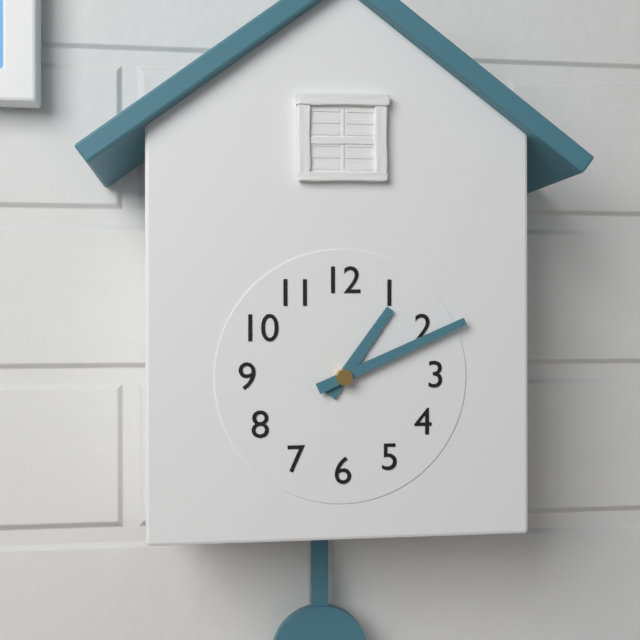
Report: 1:11
